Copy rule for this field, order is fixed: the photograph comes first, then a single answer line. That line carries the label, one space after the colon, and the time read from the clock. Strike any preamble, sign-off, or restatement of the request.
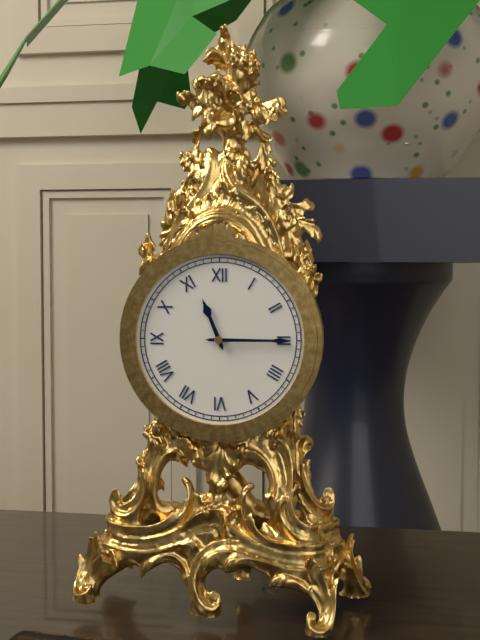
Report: 11:15
